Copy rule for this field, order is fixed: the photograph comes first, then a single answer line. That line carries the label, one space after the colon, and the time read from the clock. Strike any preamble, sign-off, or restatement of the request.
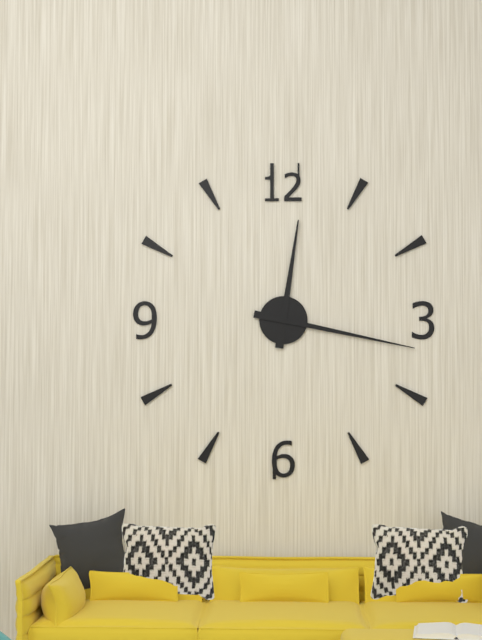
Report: 12:17
